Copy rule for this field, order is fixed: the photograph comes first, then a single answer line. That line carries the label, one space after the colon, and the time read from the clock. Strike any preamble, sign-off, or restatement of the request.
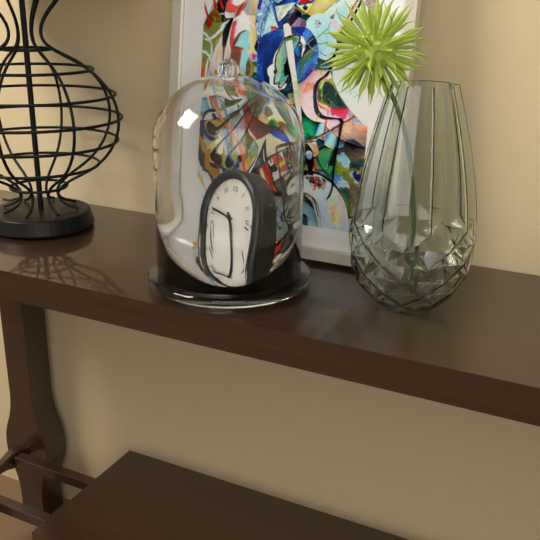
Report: 4:46
